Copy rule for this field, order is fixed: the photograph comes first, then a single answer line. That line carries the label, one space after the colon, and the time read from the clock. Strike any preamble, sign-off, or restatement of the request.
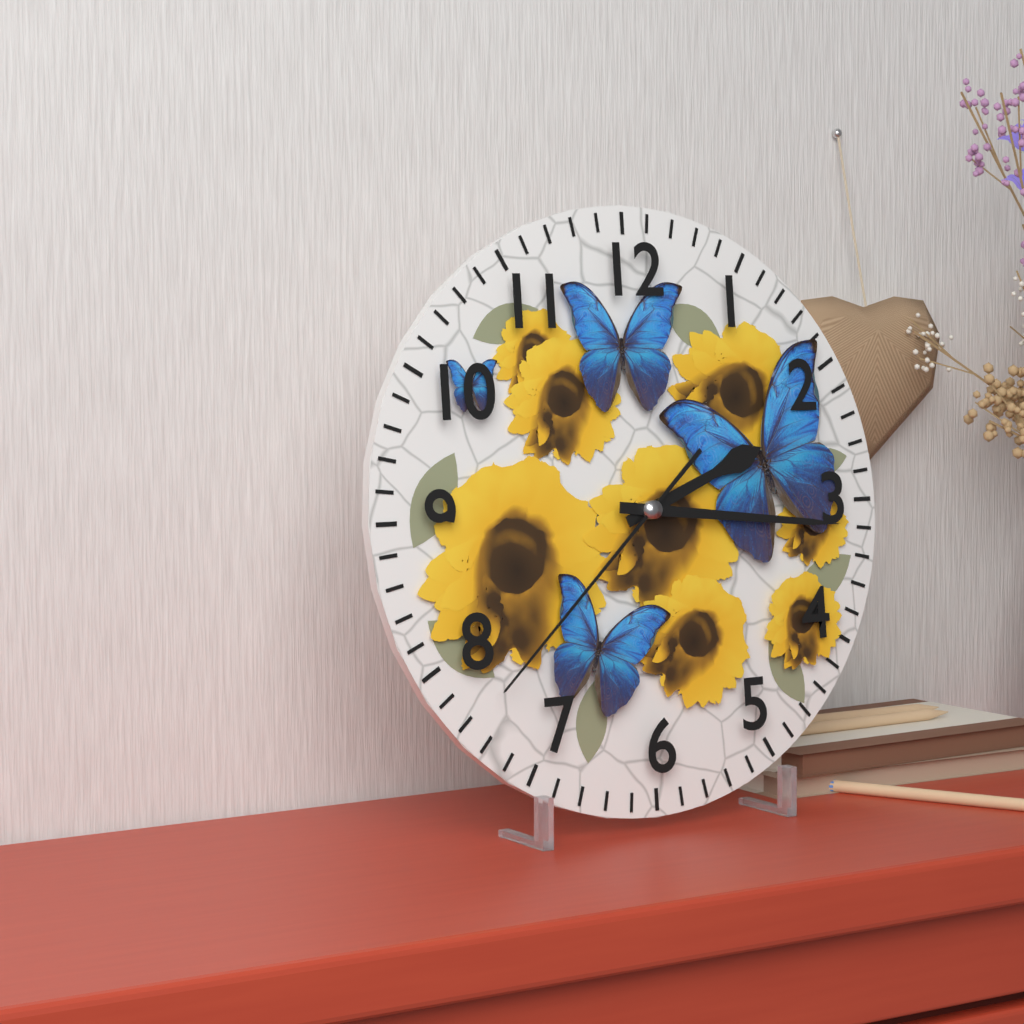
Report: 2:16:38
